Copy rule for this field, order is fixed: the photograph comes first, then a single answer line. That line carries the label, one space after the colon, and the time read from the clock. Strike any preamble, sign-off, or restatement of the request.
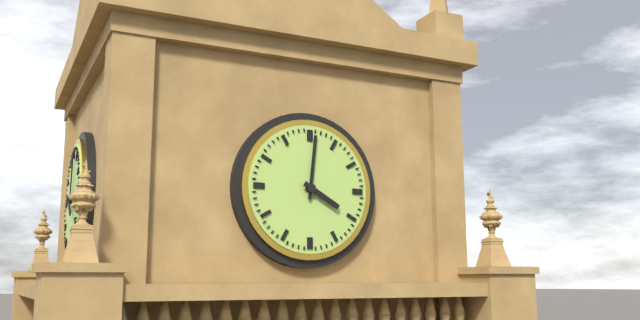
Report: 4:01
